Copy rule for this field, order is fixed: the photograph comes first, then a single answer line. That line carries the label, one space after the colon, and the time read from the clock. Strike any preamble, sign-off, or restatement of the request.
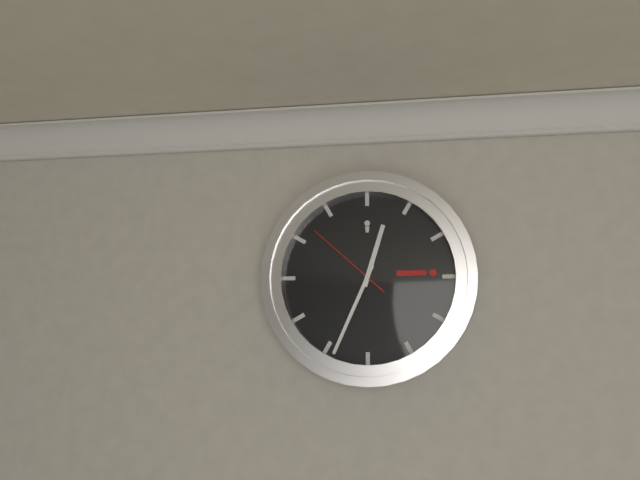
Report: 12:34:52
